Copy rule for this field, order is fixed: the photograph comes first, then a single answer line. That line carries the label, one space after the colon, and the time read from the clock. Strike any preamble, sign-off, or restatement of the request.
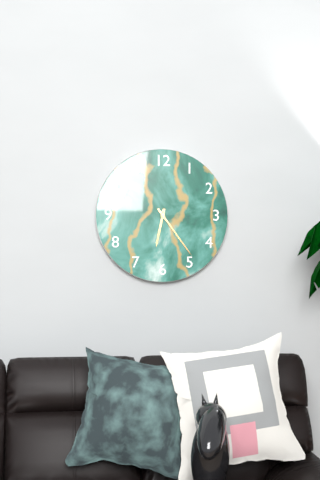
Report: 6:24
